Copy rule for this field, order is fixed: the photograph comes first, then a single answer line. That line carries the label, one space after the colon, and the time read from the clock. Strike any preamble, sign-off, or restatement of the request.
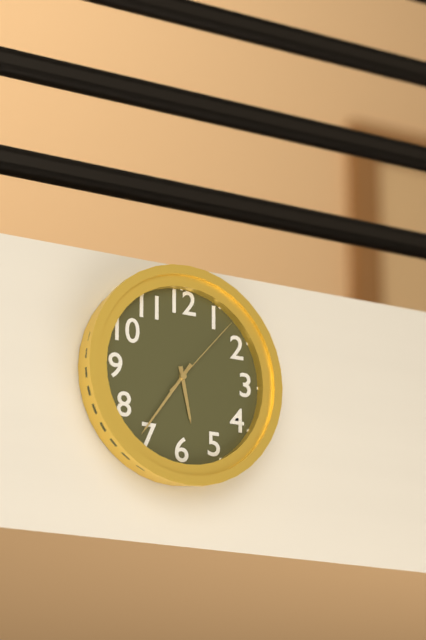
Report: 5:36:07
